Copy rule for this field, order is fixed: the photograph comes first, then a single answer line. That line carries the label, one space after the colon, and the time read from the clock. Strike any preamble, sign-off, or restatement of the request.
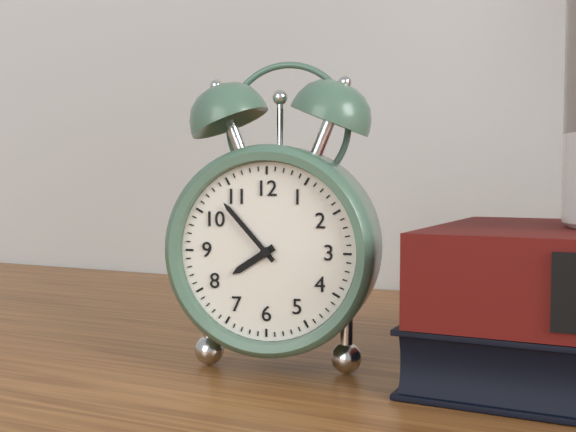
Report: 7:53
